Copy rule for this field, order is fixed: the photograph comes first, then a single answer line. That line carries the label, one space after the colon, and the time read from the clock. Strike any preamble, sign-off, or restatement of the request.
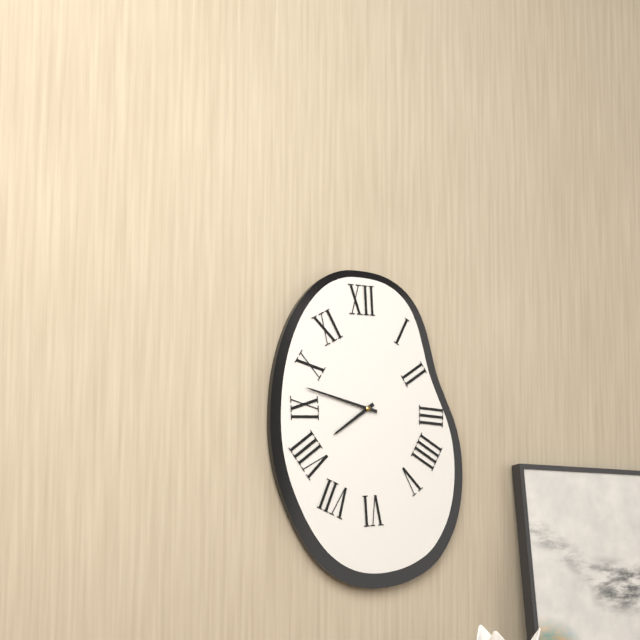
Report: 7:47
